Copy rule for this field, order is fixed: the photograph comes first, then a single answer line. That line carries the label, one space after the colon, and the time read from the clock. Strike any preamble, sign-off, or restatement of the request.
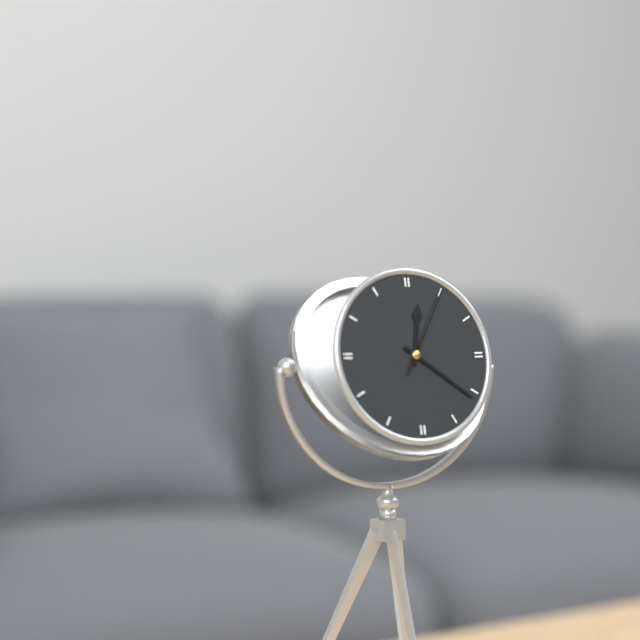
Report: 12:21:05
